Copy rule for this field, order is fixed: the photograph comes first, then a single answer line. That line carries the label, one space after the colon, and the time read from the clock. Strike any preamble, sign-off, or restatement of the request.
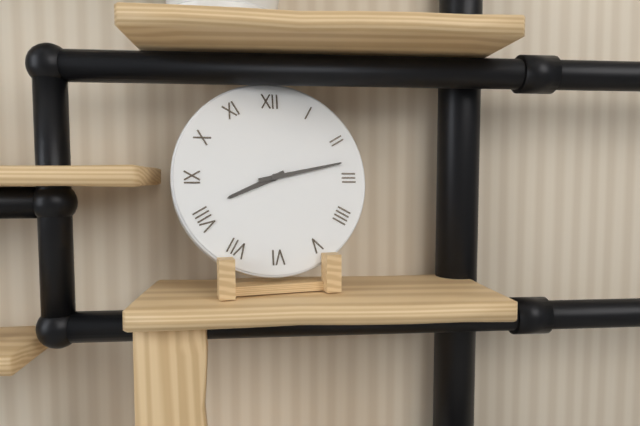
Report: 8:13
